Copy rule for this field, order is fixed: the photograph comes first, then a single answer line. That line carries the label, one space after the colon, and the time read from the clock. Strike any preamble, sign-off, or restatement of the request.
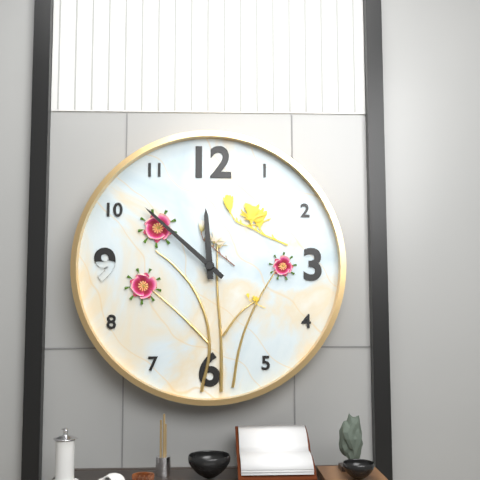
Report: 11:52
